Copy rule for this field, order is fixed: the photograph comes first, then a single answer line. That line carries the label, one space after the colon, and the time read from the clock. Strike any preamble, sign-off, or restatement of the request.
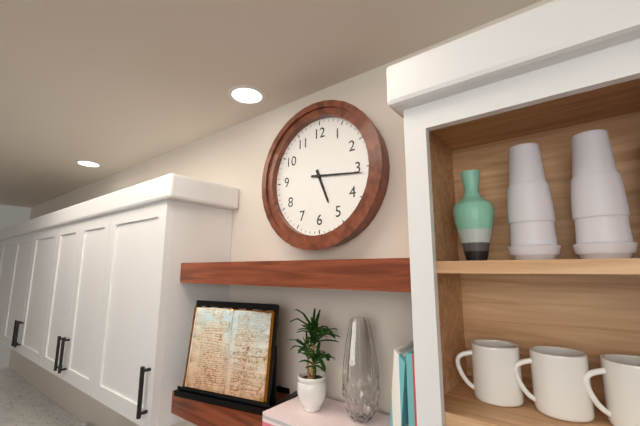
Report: 5:16
